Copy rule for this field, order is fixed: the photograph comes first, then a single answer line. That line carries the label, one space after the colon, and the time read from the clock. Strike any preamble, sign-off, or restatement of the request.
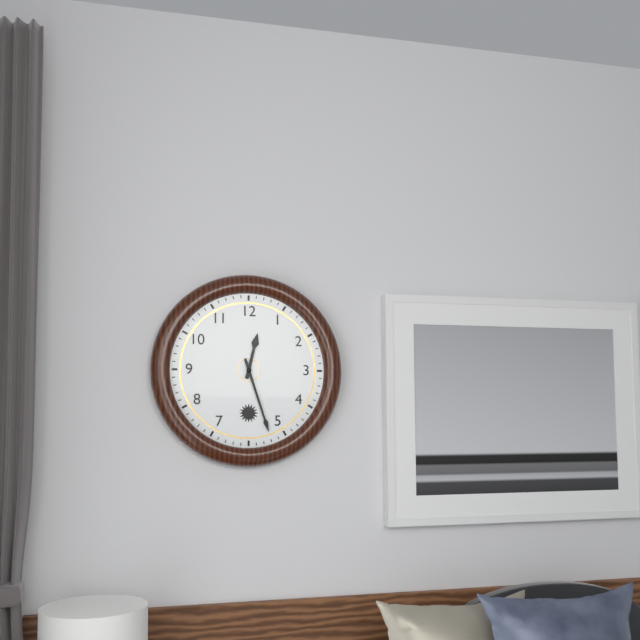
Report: 12:27
